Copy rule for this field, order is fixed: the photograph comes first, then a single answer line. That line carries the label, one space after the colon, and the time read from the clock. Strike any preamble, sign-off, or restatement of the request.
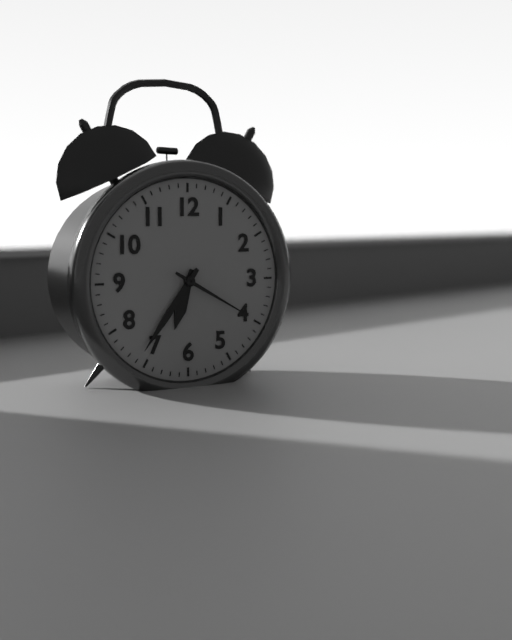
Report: 6:36:20
